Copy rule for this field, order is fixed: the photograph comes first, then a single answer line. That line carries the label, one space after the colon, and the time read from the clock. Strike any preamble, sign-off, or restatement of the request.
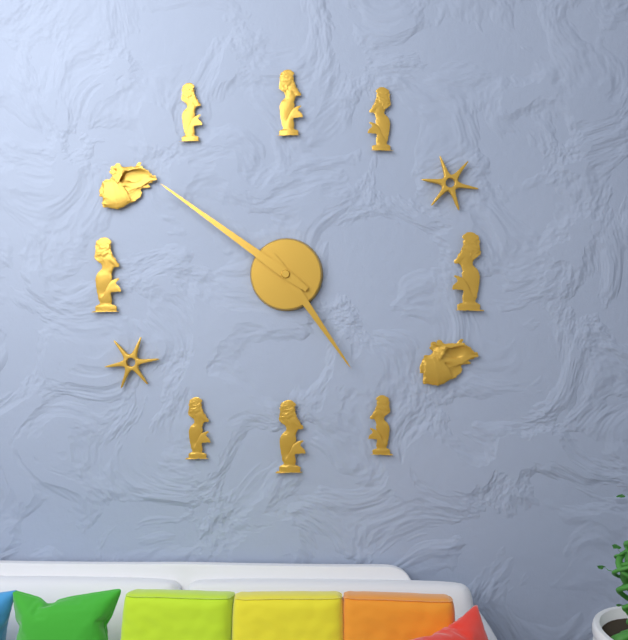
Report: 4:51
